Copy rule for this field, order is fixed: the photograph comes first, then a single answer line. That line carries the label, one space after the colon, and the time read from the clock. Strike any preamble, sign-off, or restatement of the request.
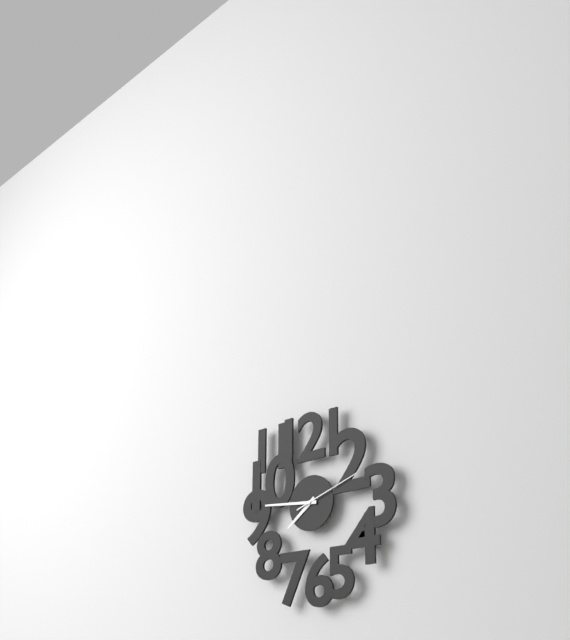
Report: 7:46:12
